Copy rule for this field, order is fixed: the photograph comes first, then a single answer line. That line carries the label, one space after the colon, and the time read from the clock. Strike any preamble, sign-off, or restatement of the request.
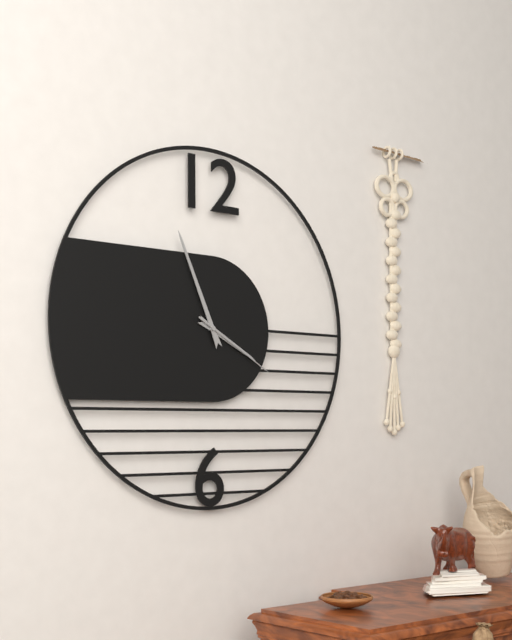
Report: 3:56:20
